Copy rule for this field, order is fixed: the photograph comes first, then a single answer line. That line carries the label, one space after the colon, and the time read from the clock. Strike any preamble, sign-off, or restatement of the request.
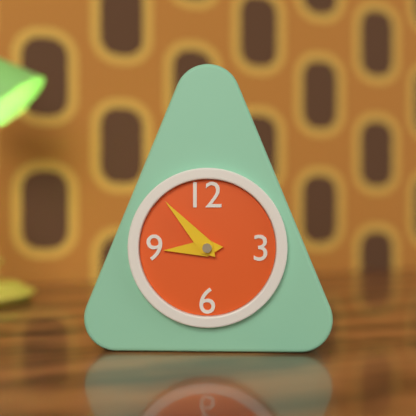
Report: 8:53
